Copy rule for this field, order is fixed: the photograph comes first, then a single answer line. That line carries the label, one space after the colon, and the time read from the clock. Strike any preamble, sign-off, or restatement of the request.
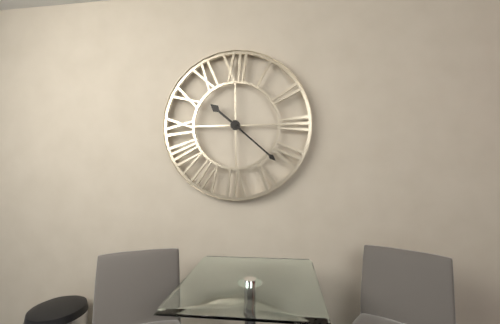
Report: 10:22
